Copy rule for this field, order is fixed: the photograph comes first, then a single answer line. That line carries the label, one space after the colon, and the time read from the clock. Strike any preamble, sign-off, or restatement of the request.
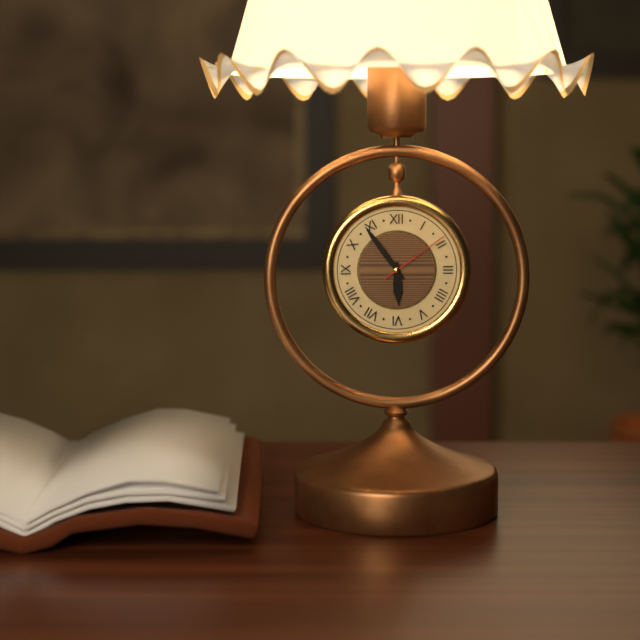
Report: 5:54:09
